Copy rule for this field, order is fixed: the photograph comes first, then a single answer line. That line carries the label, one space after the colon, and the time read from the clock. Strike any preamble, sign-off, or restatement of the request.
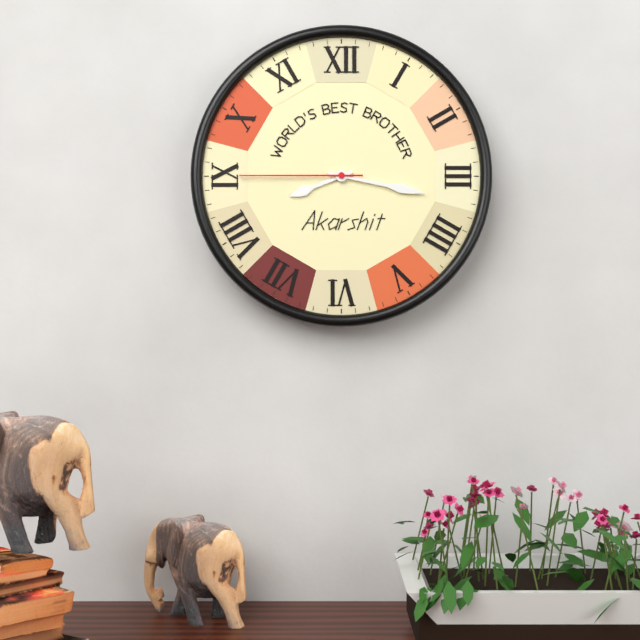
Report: 8:17:45
